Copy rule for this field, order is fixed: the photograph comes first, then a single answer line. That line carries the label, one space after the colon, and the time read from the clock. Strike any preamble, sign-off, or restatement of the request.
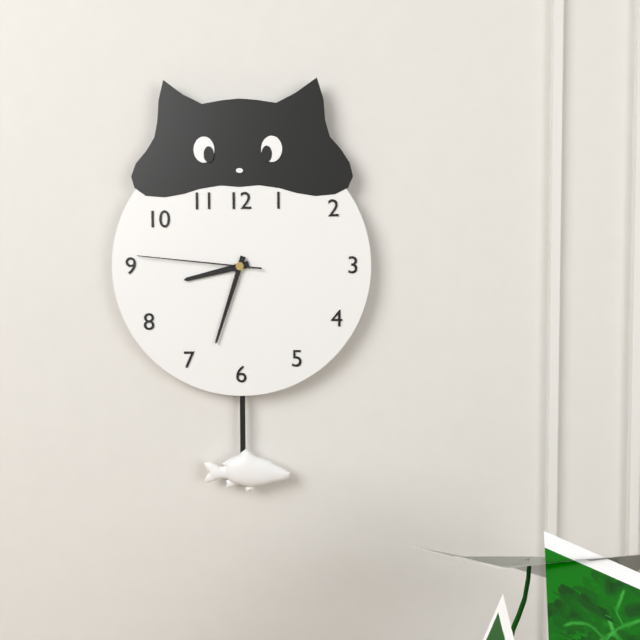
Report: 8:33:46
